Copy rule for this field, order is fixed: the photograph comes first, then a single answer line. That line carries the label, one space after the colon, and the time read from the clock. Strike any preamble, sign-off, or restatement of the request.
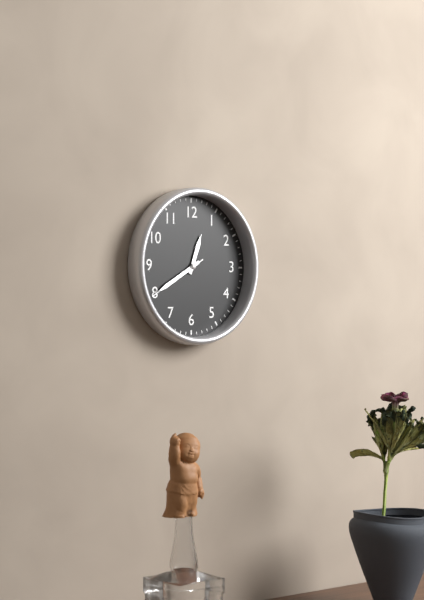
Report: 12:40:40
